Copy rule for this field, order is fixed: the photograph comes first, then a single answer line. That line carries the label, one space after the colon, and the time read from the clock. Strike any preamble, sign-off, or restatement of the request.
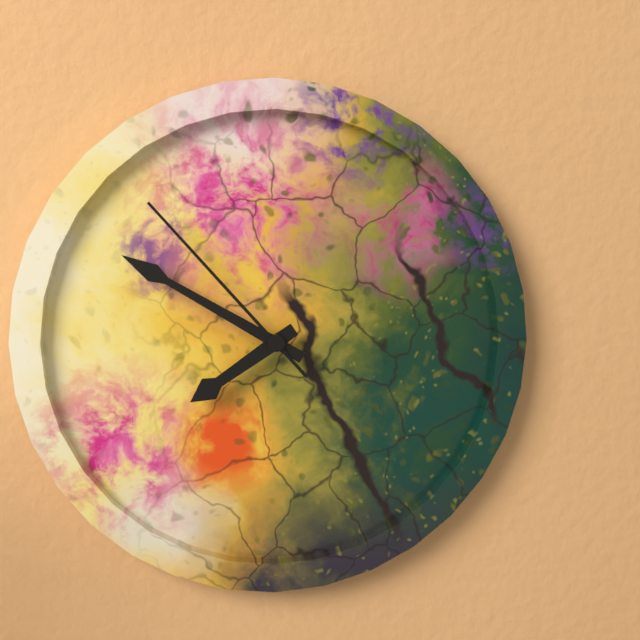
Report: 7:50:53
